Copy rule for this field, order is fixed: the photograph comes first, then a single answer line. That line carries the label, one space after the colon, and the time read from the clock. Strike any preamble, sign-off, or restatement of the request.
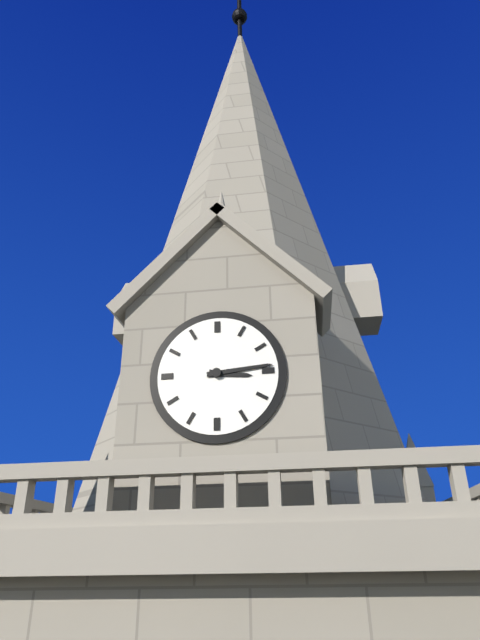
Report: 3:14
